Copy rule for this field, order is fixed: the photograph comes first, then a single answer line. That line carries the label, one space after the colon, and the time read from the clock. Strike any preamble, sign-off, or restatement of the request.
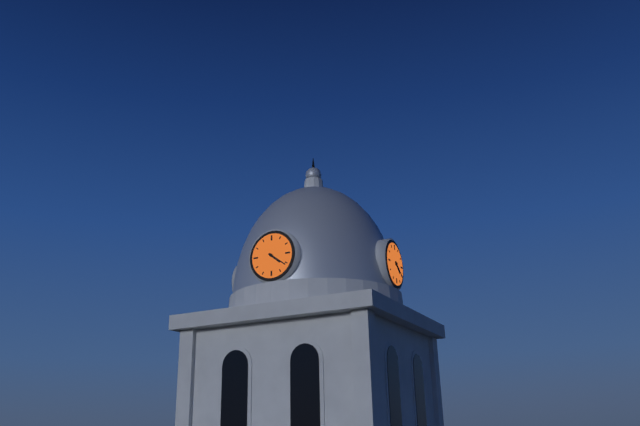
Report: 4:21
